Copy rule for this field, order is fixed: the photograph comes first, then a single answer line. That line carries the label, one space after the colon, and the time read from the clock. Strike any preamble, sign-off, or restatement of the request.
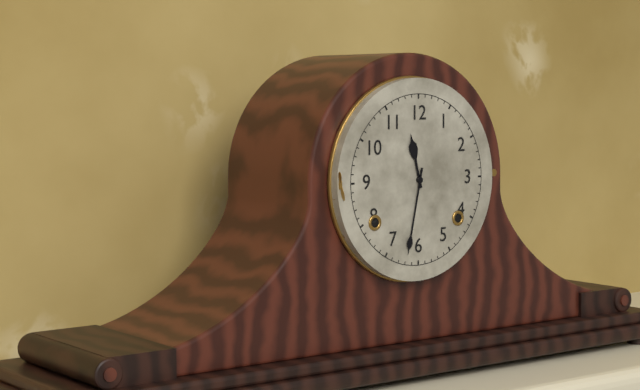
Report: 11:32
